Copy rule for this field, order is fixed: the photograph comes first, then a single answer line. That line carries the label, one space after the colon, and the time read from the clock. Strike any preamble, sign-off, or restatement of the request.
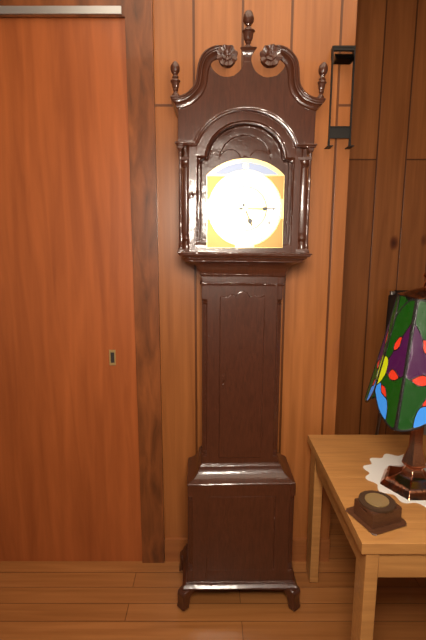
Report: 5:15
